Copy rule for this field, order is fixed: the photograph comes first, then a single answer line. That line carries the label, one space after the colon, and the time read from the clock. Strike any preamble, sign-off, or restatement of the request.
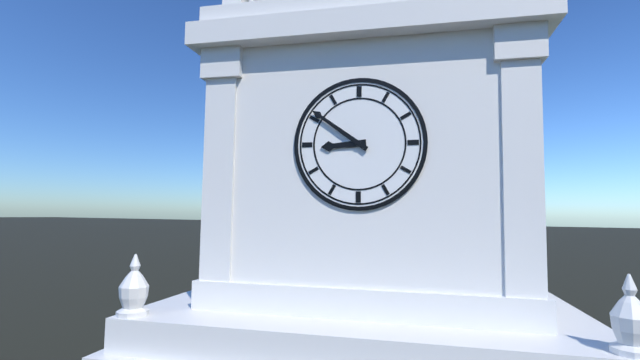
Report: 8:51
